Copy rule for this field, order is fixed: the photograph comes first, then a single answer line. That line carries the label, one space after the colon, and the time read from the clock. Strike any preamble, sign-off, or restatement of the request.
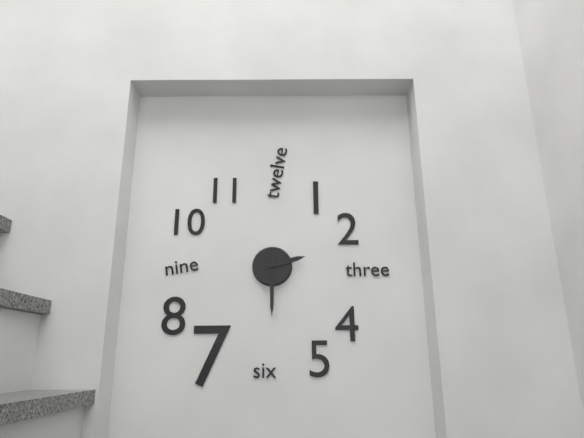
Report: 2:30
